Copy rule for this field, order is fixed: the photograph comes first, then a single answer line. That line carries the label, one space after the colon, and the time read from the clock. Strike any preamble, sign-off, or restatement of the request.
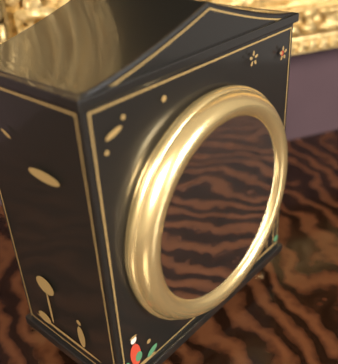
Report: 1:32
